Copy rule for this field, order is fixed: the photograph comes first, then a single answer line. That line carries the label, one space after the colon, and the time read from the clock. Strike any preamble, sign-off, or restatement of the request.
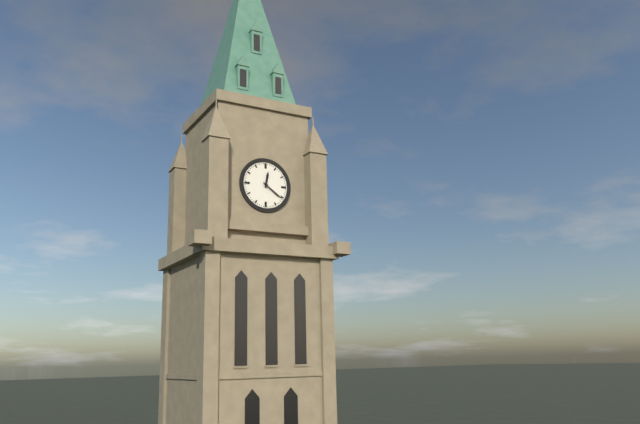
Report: 12:21
